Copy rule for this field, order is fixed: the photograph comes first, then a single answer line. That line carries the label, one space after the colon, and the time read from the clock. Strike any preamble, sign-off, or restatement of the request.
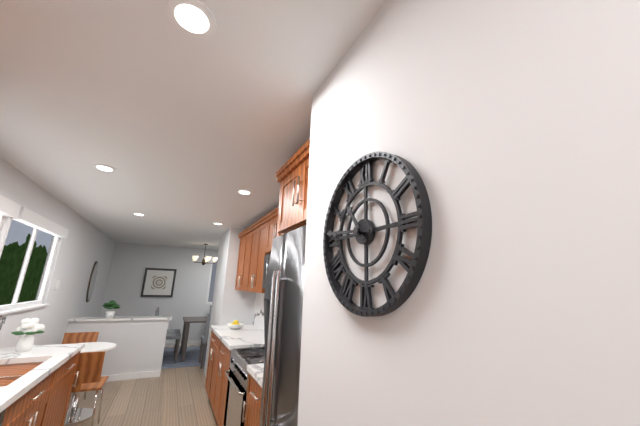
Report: 10:46
